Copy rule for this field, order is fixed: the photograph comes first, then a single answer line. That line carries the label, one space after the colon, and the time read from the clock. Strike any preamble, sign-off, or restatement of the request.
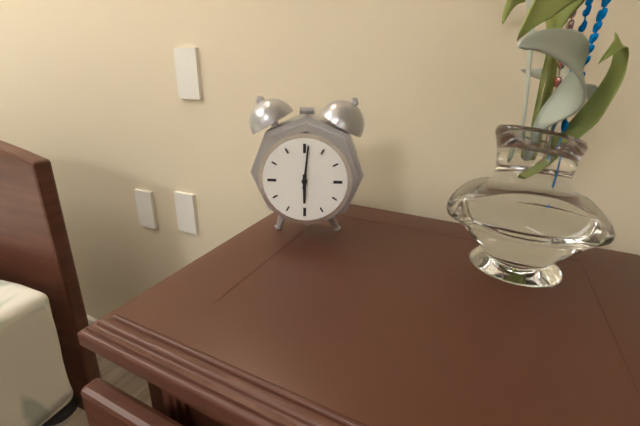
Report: 6:01
